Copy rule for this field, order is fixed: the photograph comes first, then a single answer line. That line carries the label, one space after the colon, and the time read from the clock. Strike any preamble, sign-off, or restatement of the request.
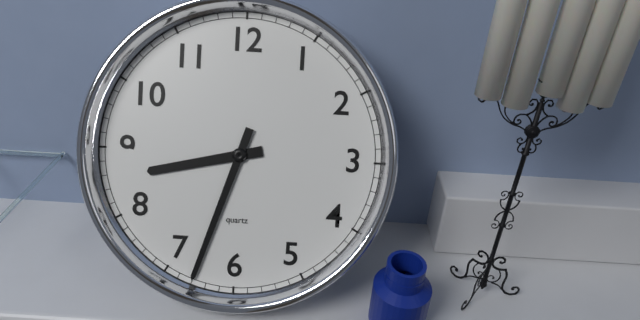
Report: 8:33
